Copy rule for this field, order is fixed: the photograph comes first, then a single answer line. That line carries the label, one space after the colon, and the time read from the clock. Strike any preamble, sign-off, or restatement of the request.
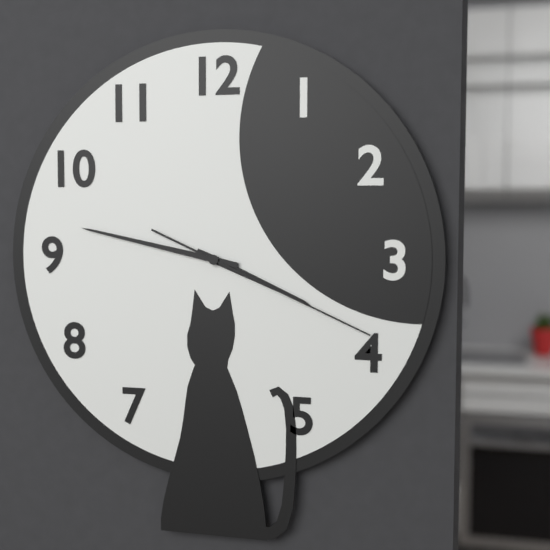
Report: 3:47:19
